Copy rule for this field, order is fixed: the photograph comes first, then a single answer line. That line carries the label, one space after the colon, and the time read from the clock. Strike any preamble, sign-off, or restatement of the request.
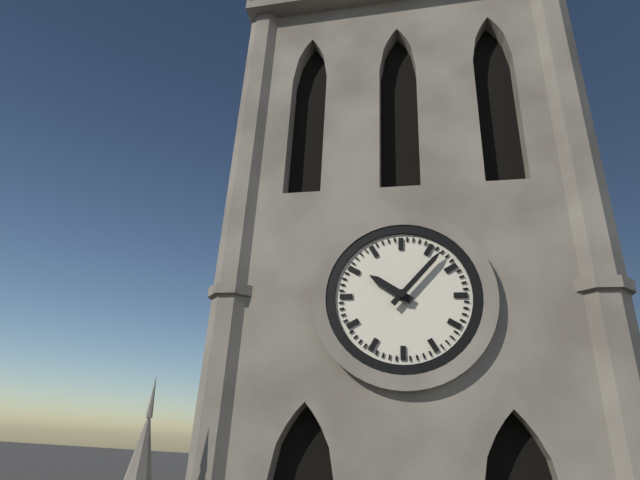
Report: 10:07
